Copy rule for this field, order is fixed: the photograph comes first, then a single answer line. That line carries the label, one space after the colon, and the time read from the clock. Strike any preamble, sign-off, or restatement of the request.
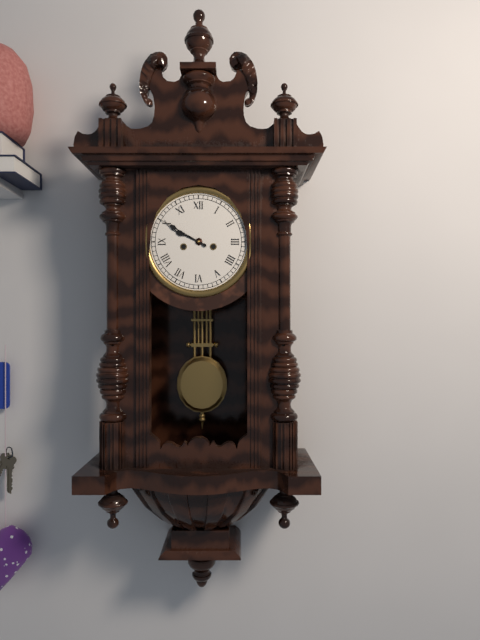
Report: 9:50
